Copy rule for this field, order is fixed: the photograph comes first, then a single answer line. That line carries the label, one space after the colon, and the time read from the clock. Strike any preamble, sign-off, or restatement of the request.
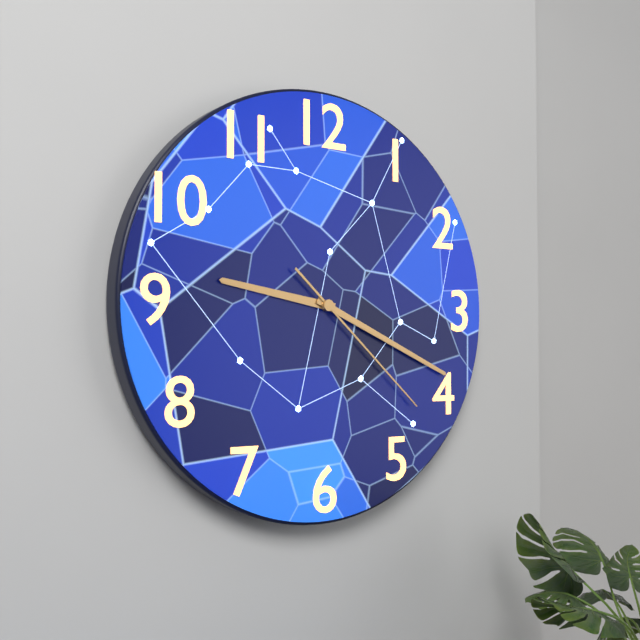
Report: 9:19:22
